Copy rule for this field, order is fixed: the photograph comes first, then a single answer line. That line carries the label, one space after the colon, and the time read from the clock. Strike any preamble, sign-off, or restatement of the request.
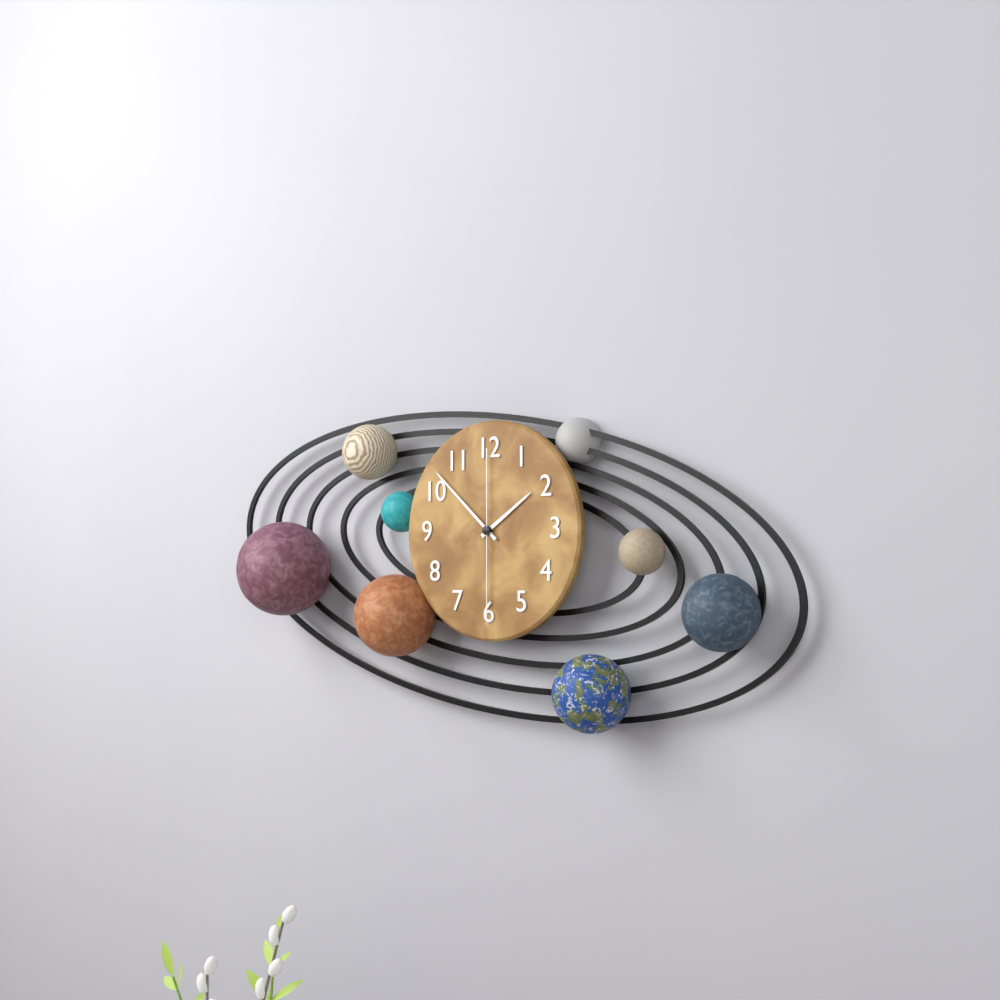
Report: 1:52:30
